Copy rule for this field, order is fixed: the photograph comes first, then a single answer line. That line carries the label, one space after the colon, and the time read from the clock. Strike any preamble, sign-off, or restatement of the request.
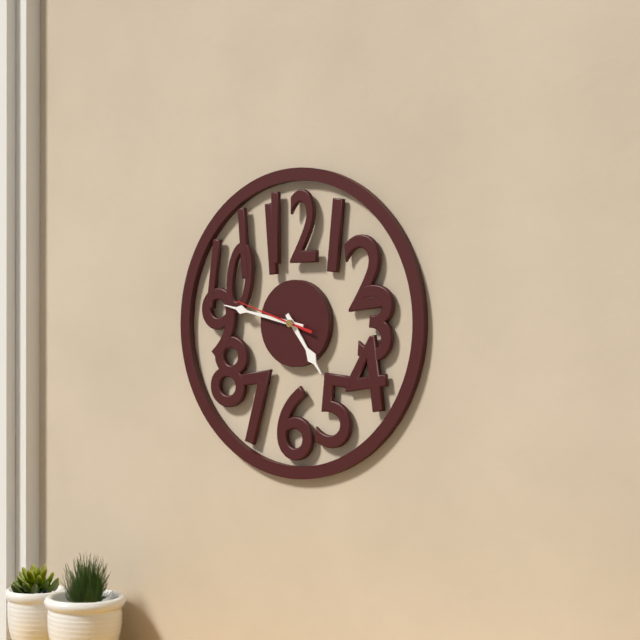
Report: 4:47:48
